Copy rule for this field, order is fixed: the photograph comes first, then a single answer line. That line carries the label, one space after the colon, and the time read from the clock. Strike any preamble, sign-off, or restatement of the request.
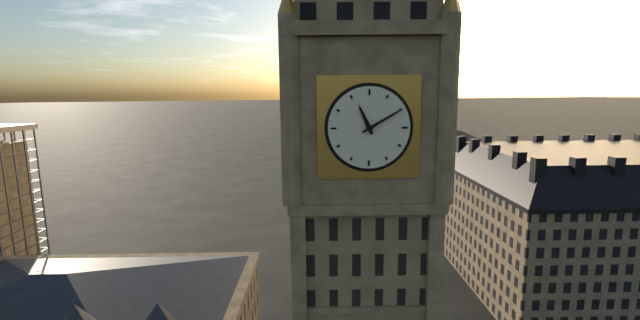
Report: 11:10
